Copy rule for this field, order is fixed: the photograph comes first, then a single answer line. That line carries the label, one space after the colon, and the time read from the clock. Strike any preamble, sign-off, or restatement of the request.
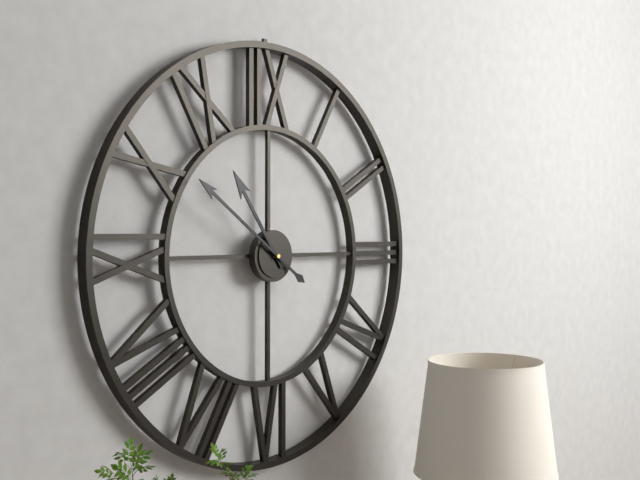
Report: 10:51
